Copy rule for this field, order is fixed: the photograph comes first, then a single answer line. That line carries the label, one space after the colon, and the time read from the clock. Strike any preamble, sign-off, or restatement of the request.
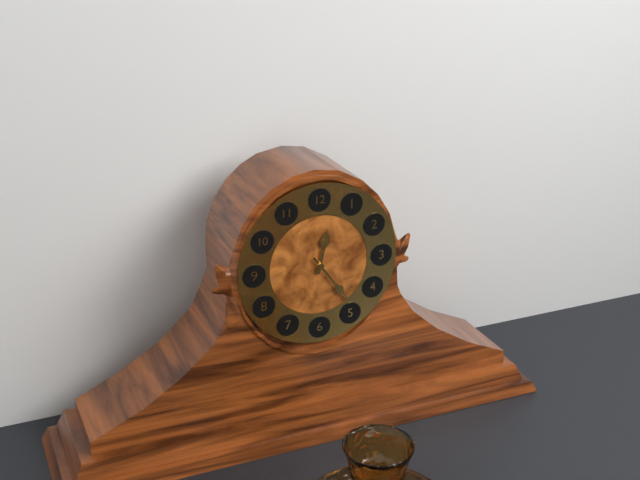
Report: 12:24
